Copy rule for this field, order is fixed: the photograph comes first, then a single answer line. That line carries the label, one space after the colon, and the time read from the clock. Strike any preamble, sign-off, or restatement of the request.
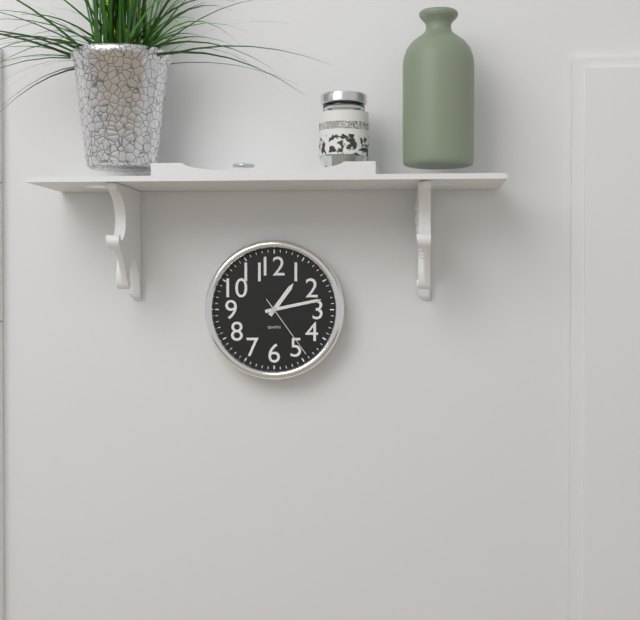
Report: 1:13:24
